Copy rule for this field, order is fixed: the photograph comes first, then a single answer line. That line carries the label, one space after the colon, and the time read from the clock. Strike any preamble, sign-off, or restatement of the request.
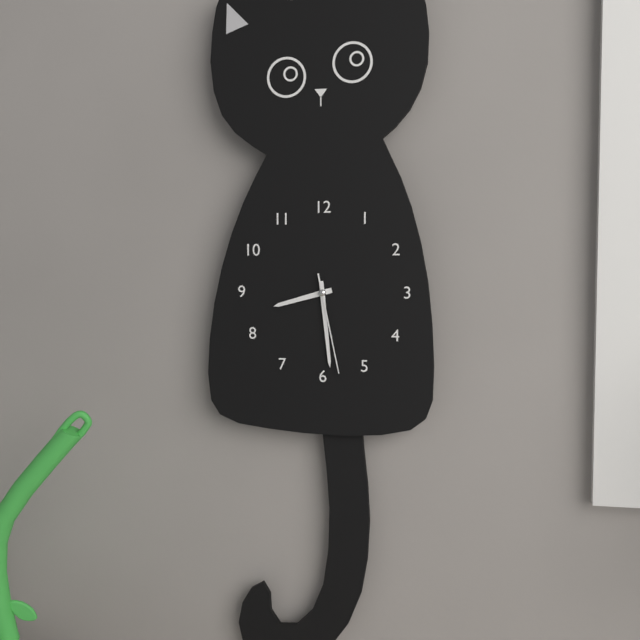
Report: 8:29:28
